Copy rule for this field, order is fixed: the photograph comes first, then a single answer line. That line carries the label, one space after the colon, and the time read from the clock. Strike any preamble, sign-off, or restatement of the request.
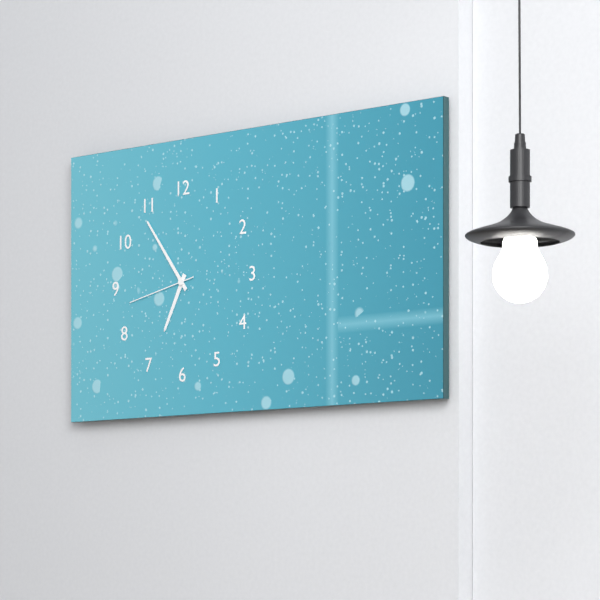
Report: 6:54:43
